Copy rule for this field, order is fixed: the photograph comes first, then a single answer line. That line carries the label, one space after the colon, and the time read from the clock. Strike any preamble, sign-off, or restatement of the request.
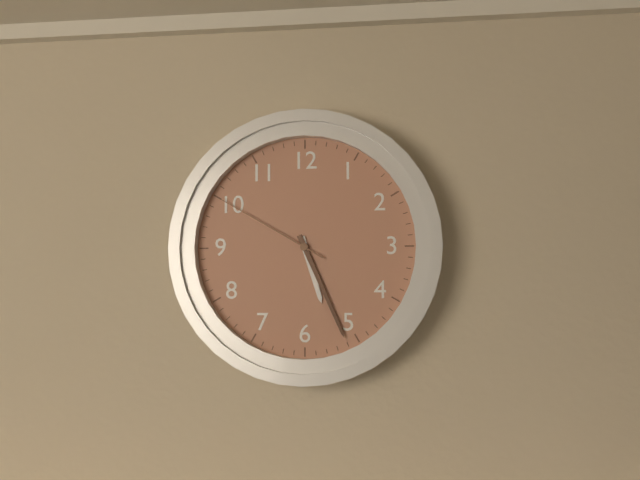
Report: 5:26:50
